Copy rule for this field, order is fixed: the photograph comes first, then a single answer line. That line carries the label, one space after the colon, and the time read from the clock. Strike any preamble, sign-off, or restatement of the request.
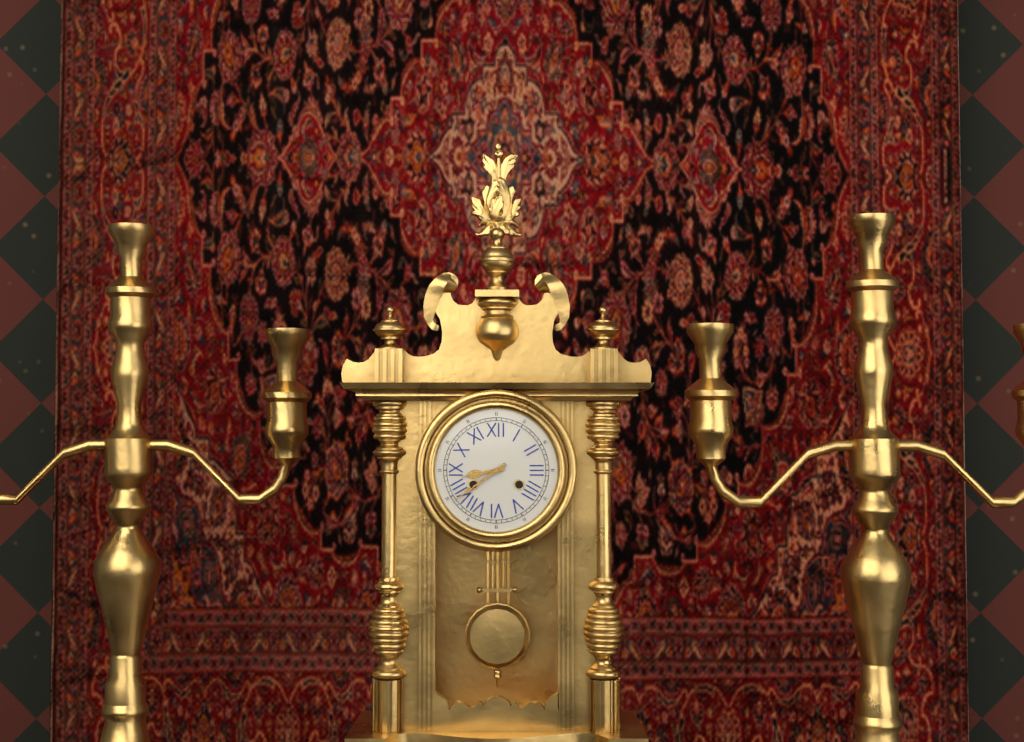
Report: 8:39
